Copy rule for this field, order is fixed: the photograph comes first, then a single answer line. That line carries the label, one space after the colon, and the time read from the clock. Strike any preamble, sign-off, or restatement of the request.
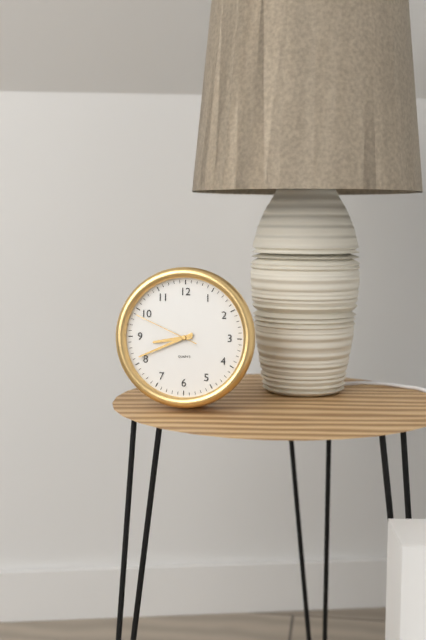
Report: 8:41:49
